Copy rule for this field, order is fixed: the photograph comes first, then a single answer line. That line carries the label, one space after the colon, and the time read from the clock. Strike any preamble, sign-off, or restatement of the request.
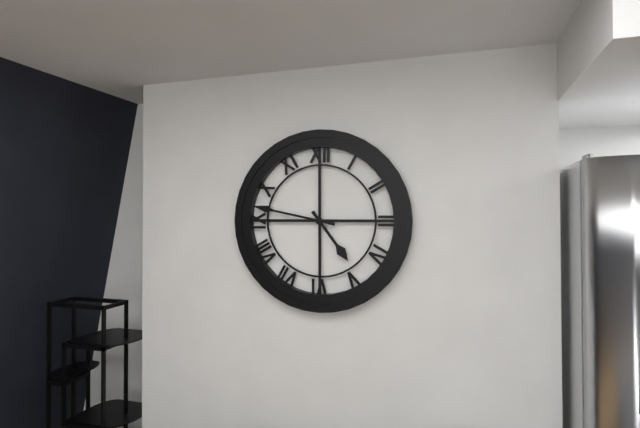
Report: 4:47
